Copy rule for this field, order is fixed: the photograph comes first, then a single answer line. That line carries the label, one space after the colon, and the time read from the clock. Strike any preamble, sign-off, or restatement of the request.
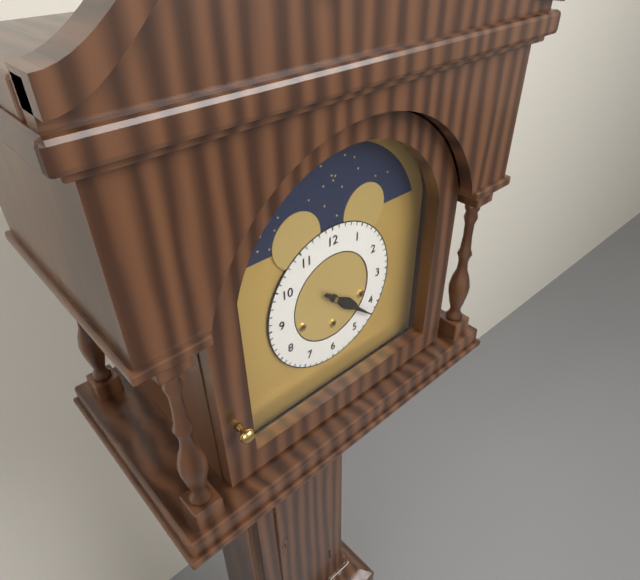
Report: 4:22
